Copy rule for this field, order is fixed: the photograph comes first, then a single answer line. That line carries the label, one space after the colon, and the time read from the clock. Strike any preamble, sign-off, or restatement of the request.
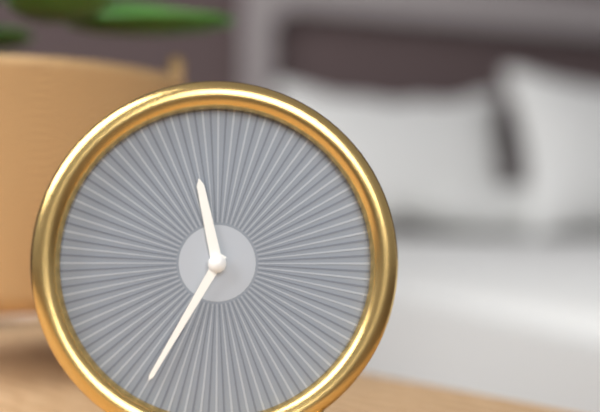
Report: 11:35
